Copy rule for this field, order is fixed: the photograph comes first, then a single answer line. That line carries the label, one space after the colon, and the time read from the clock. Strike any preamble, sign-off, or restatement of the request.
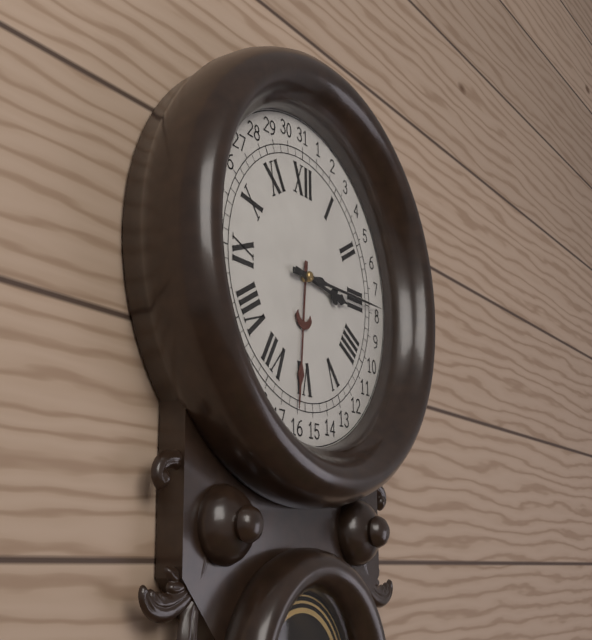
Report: 3:15
